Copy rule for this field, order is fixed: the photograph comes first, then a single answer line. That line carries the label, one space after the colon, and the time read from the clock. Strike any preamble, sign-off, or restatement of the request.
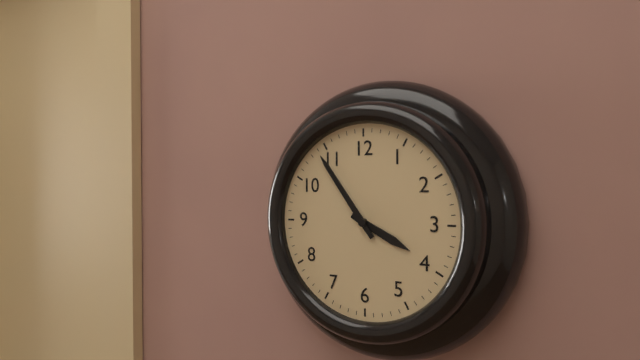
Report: 3:54
